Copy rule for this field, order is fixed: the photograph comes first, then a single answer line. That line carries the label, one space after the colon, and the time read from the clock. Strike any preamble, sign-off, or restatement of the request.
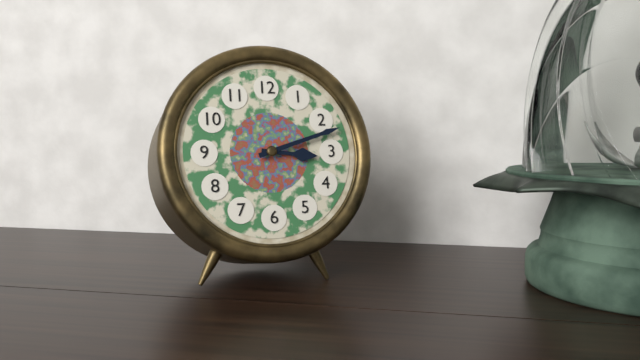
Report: 3:12
